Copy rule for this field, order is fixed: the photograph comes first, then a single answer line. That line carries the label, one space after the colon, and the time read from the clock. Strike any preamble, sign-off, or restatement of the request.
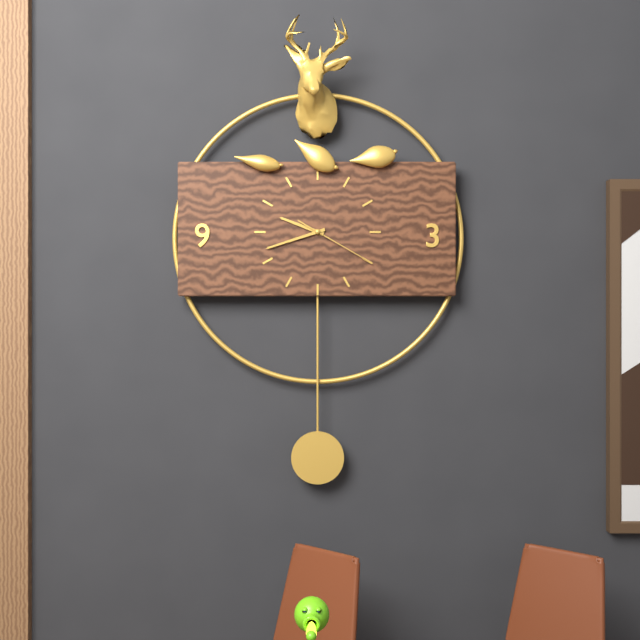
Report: 9:42:20
